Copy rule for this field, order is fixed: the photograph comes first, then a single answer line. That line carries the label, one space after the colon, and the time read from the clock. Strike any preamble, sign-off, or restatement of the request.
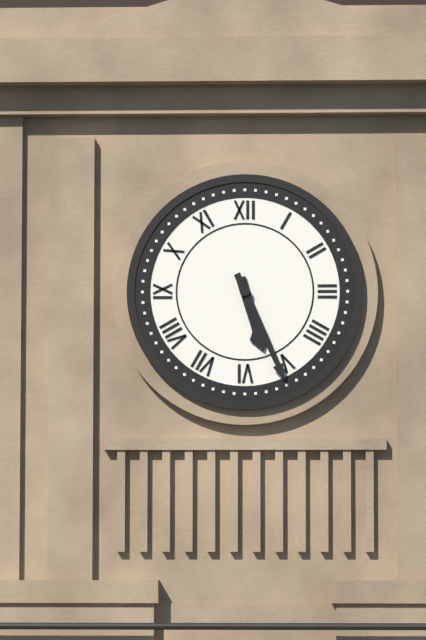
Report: 5:26
